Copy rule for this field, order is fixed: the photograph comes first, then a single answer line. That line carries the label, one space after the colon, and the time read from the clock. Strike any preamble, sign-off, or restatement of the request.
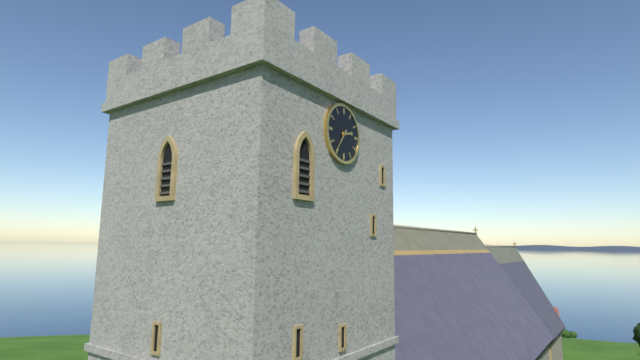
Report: 2:36
